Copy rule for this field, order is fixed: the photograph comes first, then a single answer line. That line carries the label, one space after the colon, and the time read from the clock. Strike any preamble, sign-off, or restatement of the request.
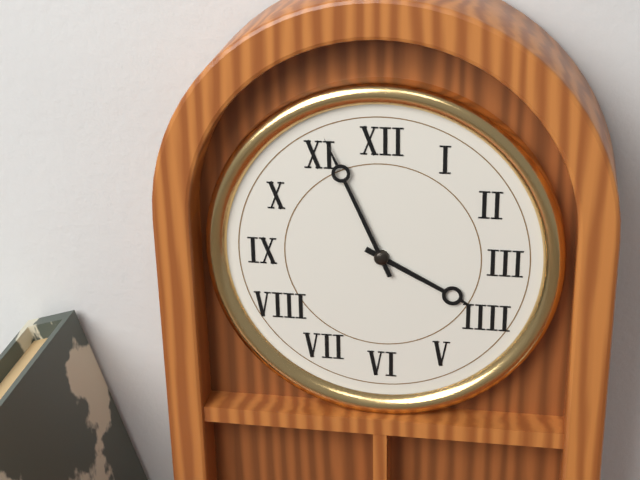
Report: 3:56
